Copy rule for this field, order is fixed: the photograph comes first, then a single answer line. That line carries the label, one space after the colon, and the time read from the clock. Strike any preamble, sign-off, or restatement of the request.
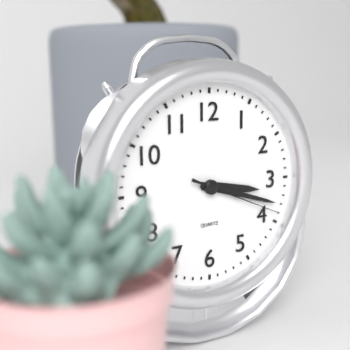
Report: 3:18:19
